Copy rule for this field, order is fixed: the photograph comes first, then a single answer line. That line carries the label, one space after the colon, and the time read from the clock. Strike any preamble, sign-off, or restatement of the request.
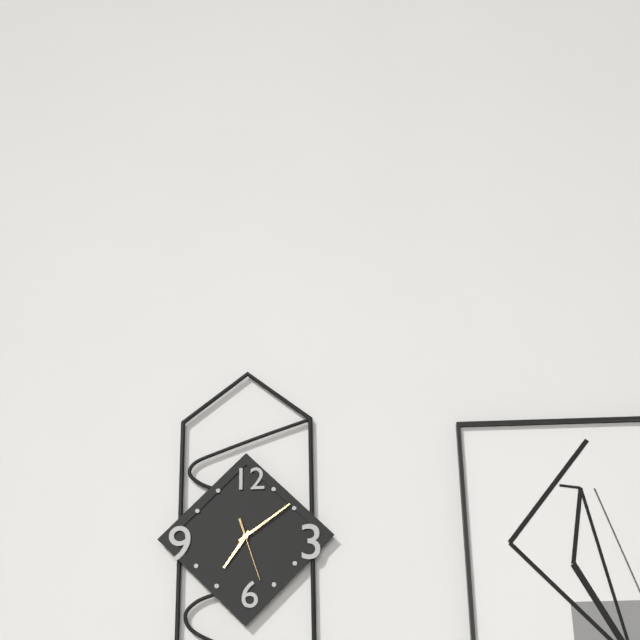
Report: 7:09:27
